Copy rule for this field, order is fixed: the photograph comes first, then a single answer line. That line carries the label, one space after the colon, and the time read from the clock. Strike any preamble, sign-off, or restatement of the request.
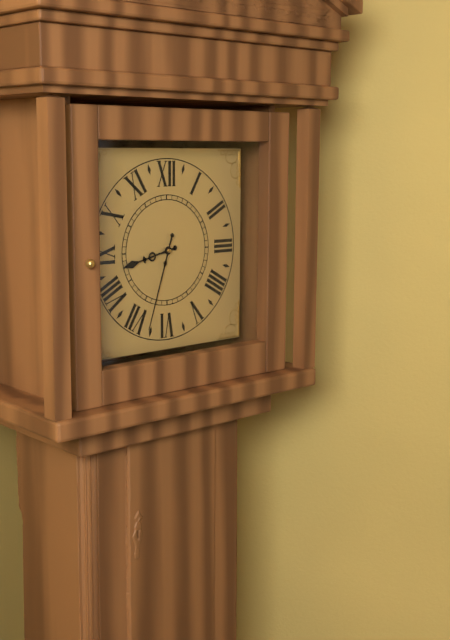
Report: 8:33
